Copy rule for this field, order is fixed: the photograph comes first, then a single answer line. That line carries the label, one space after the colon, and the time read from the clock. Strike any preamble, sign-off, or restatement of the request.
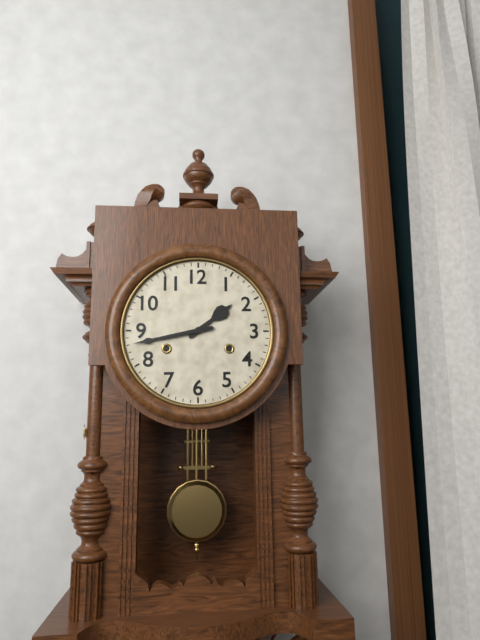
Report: 1:43
